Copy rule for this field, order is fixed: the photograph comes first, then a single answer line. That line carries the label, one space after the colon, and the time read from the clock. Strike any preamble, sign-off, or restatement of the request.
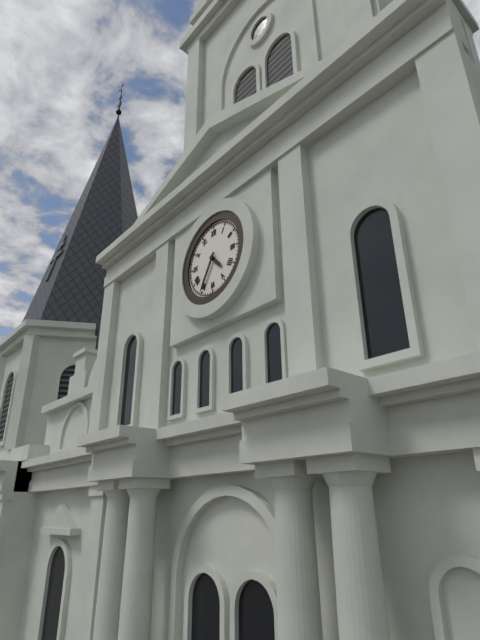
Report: 4:35
